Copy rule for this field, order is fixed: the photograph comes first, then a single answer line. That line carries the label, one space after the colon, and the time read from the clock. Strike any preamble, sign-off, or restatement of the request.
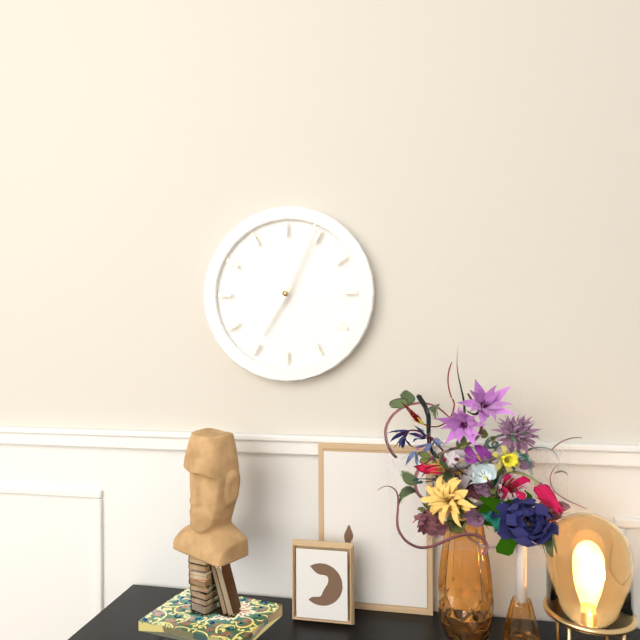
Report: 7:04
